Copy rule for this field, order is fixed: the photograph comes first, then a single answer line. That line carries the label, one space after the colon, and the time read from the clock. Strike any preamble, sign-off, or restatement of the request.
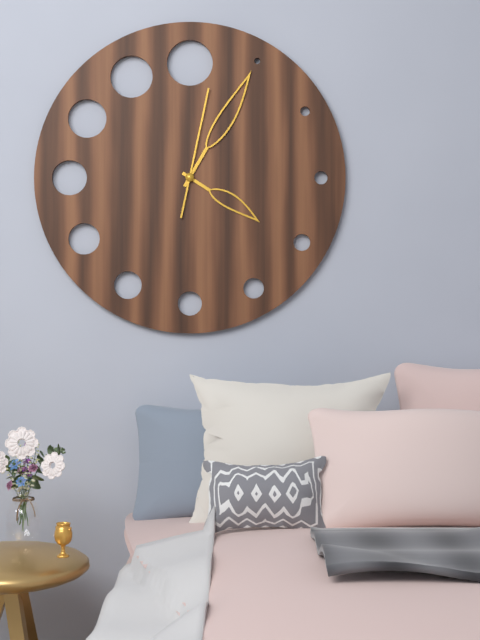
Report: 4:05:02
